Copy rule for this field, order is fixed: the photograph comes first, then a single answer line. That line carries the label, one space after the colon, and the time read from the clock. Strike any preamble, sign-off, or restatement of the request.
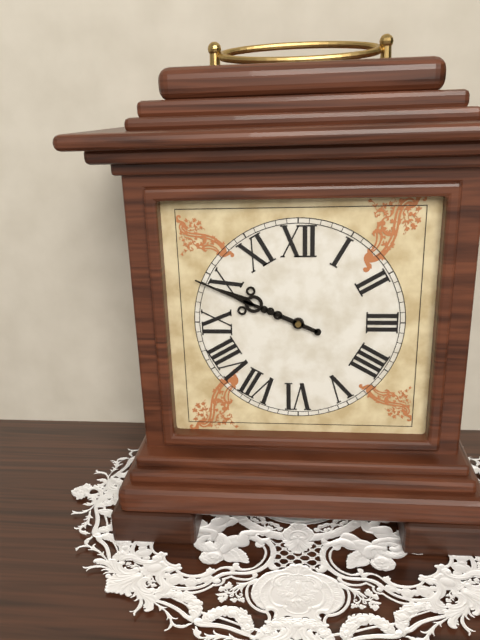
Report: 9:49
